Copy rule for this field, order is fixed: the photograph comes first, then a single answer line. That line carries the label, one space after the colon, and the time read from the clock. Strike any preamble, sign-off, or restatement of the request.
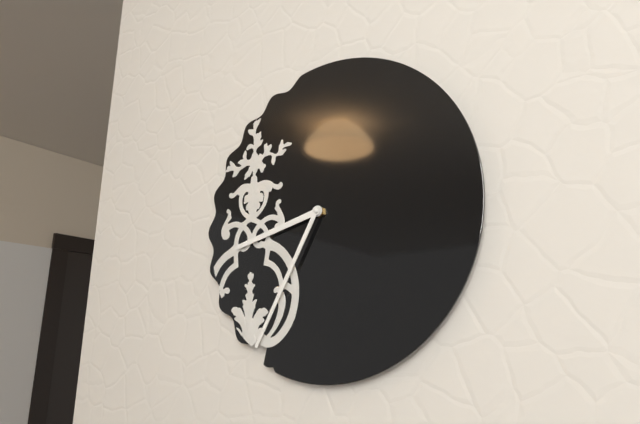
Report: 8:35
